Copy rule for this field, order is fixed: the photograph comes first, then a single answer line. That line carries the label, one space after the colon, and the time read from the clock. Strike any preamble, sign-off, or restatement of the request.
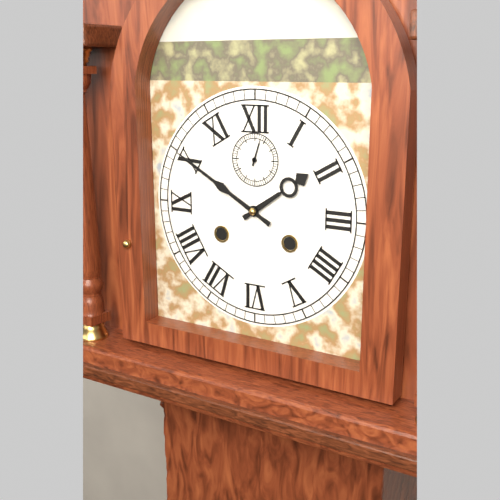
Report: 1:50
